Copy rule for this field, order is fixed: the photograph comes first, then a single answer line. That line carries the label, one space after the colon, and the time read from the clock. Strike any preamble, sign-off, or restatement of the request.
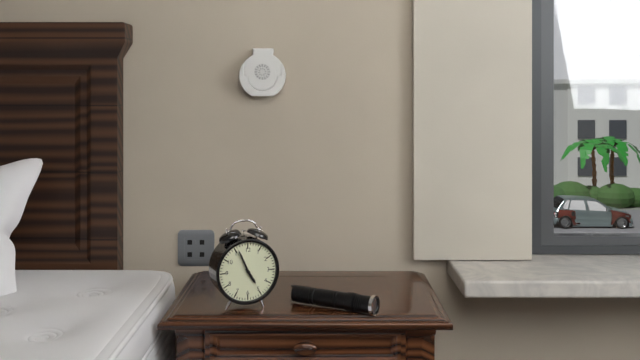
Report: 4:56
